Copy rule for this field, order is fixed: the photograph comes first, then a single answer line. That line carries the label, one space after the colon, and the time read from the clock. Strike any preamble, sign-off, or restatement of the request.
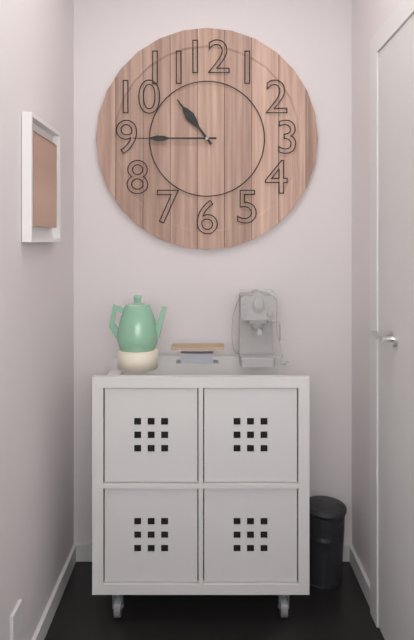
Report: 10:45
